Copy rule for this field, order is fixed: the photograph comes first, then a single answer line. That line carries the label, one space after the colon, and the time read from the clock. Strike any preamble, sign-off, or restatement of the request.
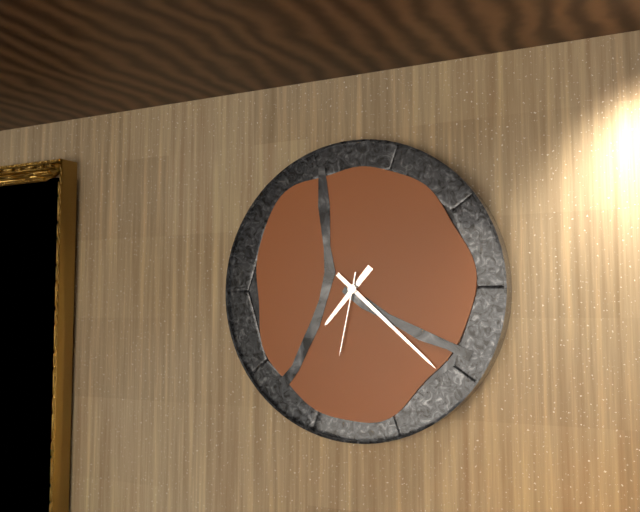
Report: 7:22:32
